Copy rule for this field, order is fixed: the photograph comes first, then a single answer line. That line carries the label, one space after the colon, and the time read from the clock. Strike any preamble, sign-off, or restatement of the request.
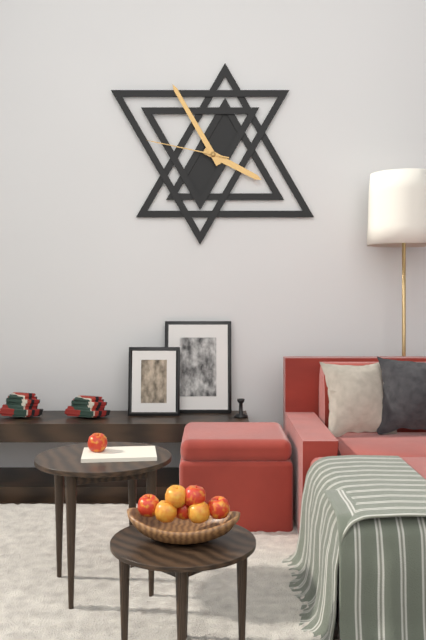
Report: 3:55:47
